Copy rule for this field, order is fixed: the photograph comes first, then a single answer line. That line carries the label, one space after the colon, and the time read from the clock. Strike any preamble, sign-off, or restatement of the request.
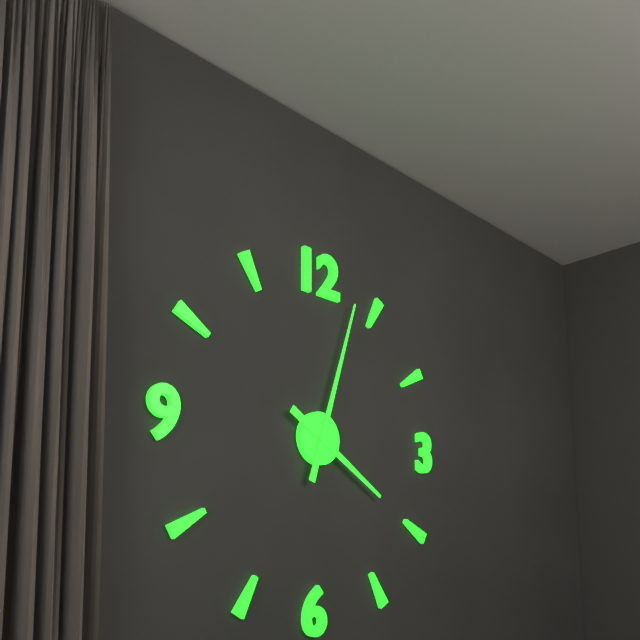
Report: 4:03
